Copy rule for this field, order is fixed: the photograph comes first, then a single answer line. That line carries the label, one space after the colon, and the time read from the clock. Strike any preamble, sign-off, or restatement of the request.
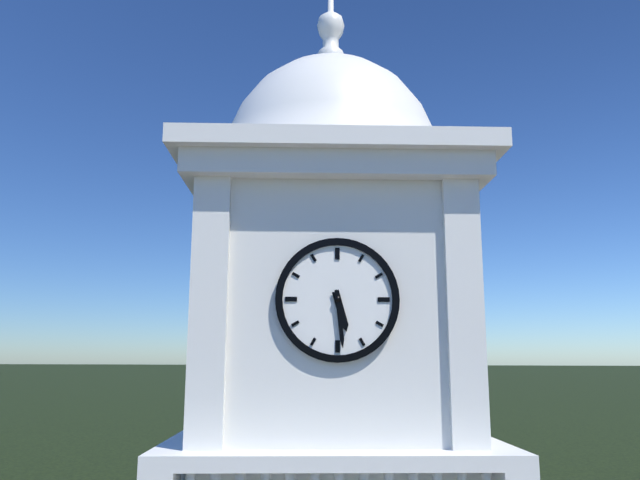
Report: 5:29
